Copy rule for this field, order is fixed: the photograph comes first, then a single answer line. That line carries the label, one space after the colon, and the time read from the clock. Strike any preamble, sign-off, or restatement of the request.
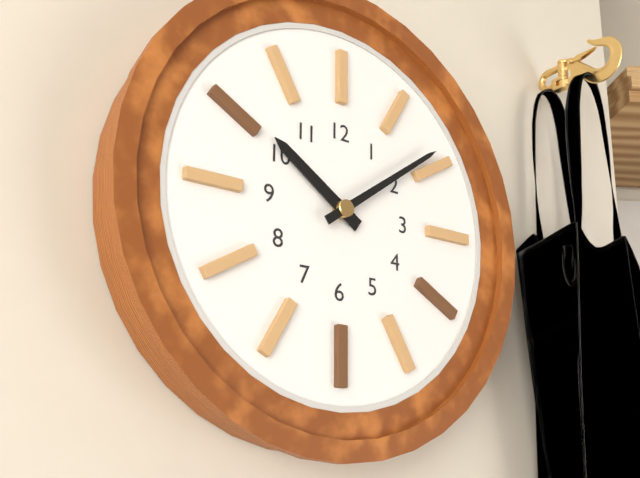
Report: 10:09
